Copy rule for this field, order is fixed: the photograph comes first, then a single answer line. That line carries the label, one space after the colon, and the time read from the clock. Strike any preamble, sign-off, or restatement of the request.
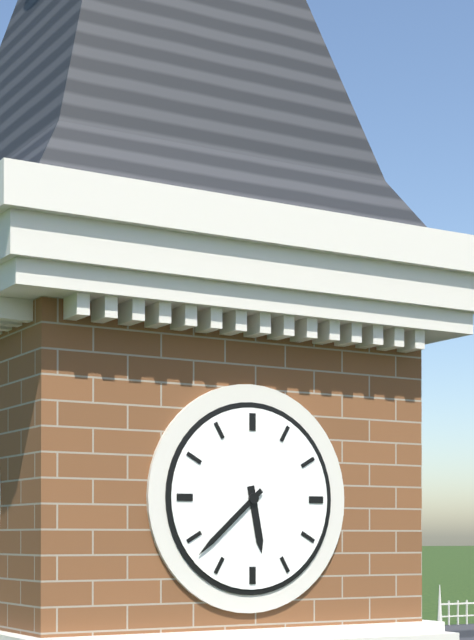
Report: 5:38
